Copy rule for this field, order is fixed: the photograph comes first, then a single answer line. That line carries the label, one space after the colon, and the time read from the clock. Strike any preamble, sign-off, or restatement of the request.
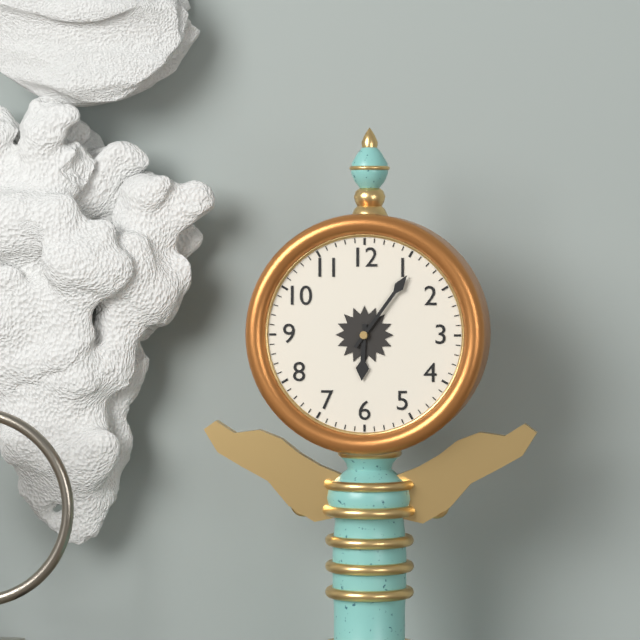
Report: 6:06
